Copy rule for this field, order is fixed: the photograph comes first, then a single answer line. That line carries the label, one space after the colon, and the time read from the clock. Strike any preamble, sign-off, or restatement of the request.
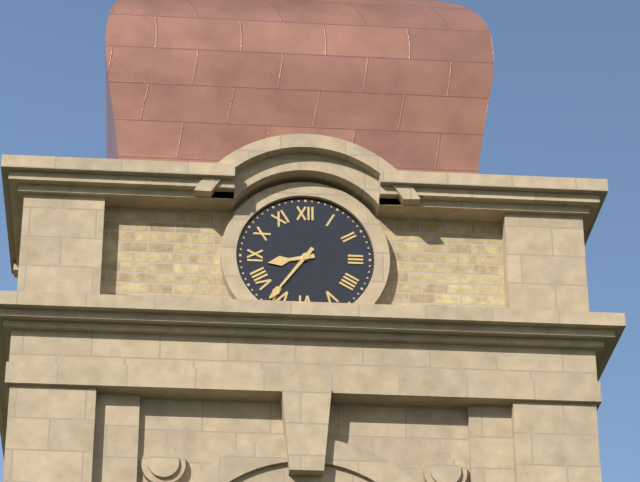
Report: 8:36
